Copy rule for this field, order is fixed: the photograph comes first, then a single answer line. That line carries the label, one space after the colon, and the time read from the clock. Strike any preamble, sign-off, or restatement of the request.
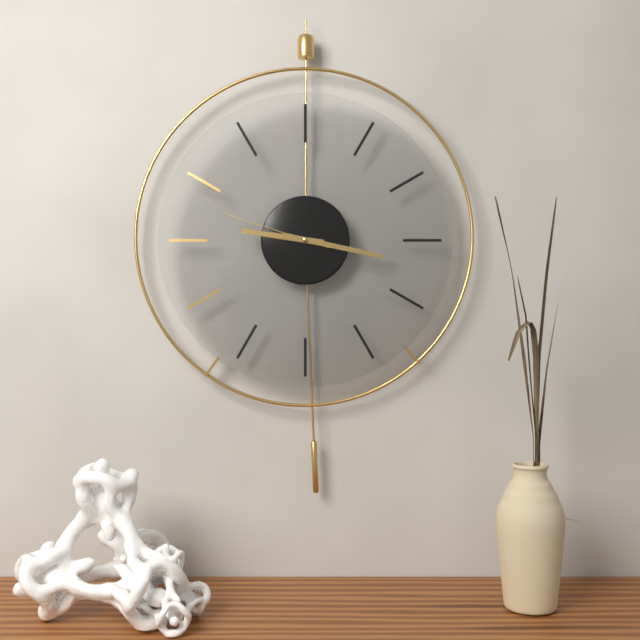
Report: 9:17:48
